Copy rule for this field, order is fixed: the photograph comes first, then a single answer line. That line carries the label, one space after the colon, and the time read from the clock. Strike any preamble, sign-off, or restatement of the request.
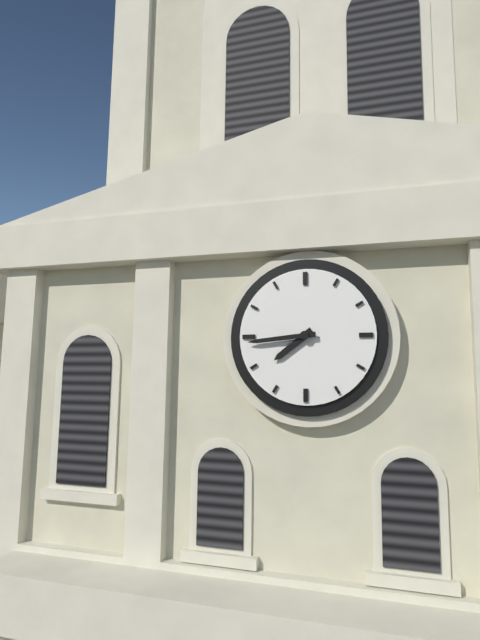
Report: 7:44
